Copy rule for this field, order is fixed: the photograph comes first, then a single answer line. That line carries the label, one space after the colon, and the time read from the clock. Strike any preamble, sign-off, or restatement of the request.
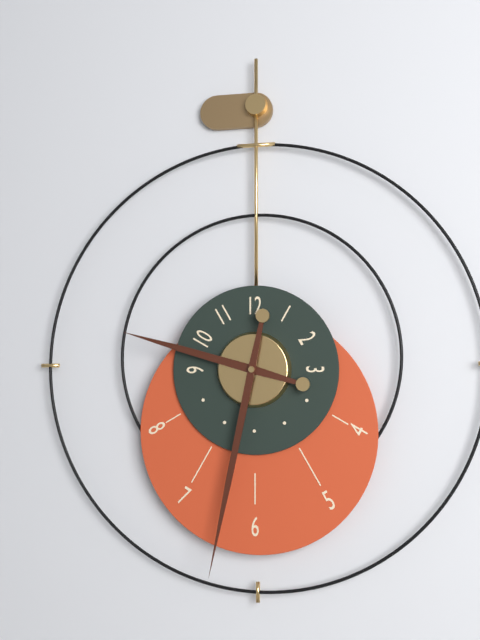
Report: 9:32
